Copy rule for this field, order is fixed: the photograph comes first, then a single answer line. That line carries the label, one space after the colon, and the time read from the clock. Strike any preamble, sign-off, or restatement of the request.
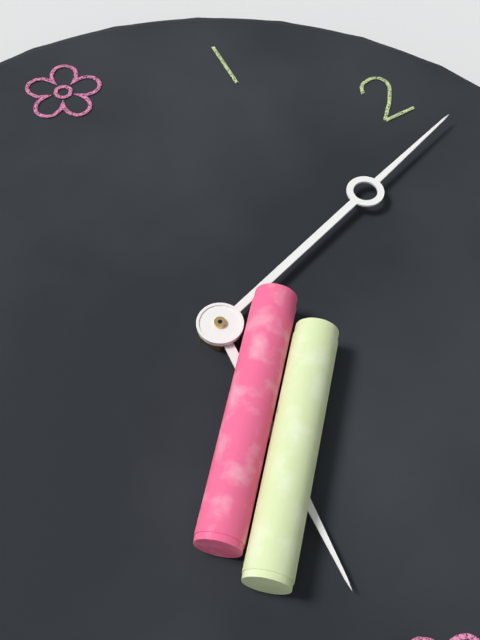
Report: 6:12
